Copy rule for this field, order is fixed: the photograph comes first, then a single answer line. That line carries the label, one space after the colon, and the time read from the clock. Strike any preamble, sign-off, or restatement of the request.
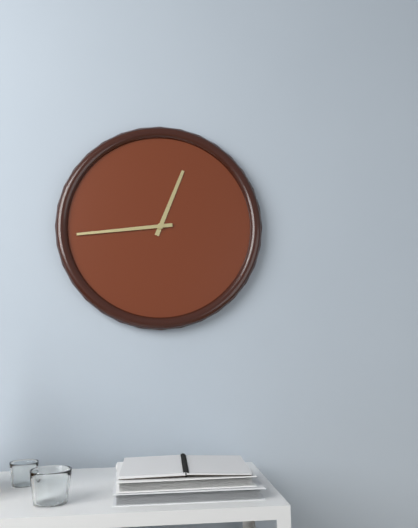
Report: 12:44
